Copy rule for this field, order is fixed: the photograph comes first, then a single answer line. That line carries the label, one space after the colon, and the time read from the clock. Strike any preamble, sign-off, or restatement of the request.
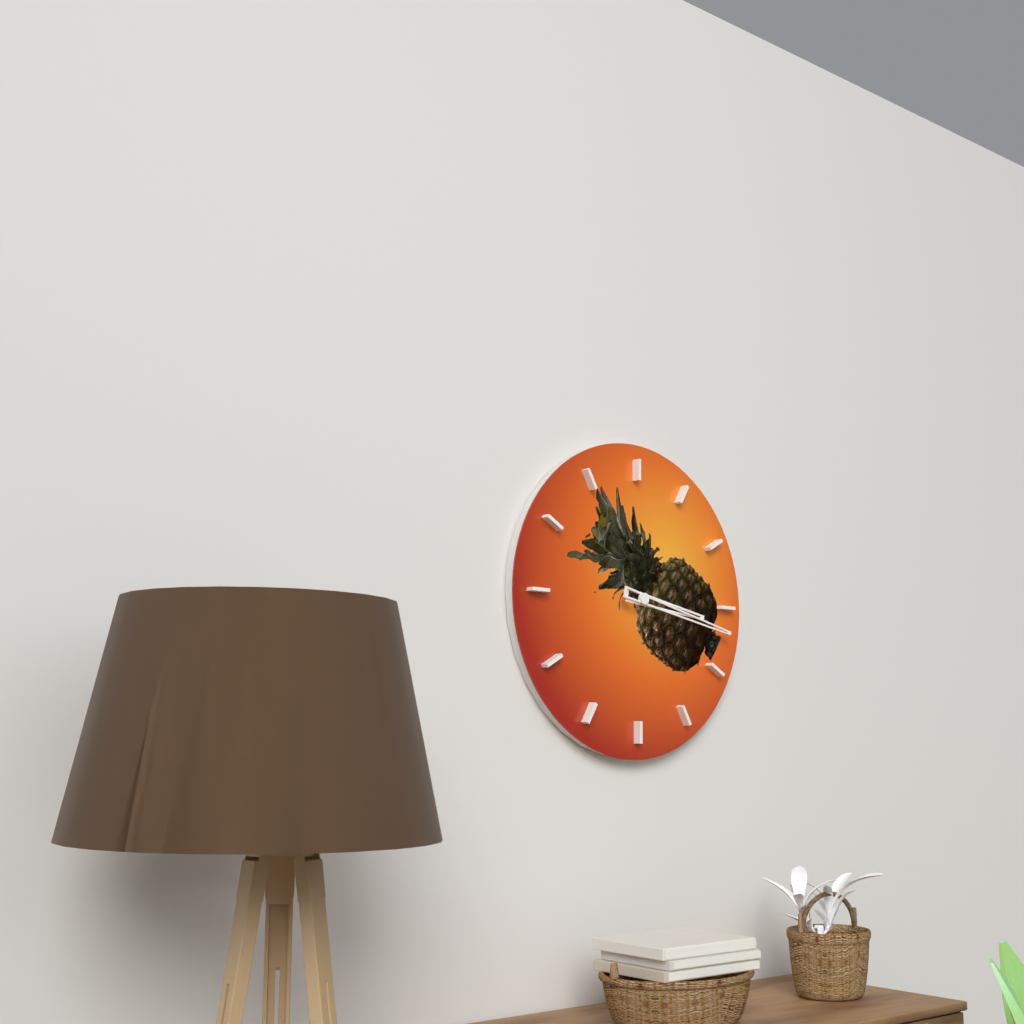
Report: 3:17
